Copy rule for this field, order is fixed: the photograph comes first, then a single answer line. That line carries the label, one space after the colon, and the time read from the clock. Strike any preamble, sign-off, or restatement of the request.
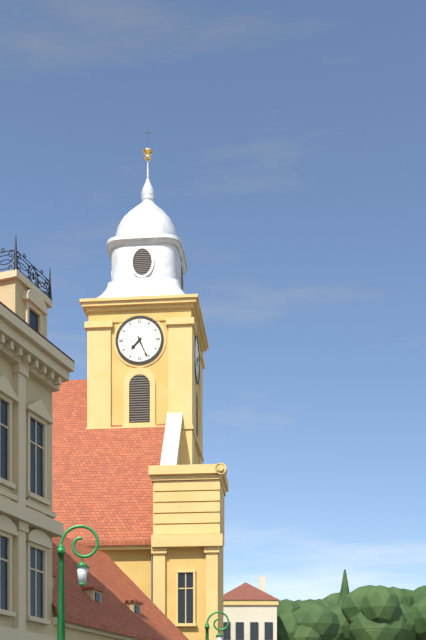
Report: 7:26
